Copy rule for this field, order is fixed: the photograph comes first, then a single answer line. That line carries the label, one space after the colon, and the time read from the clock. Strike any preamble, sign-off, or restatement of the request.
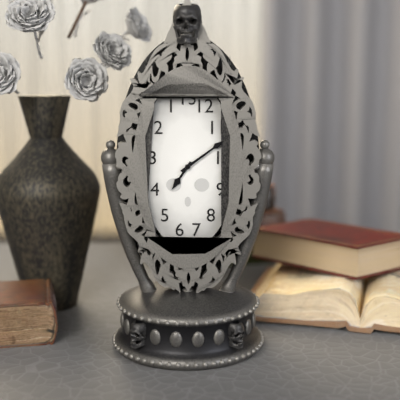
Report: 7:09
